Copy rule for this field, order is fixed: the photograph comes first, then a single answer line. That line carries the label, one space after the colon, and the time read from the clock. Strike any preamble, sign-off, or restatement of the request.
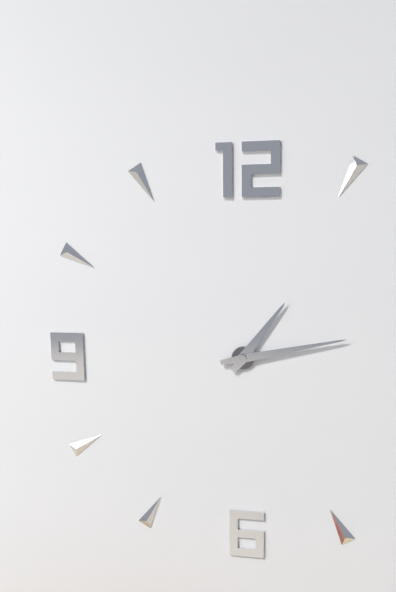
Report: 1:13
